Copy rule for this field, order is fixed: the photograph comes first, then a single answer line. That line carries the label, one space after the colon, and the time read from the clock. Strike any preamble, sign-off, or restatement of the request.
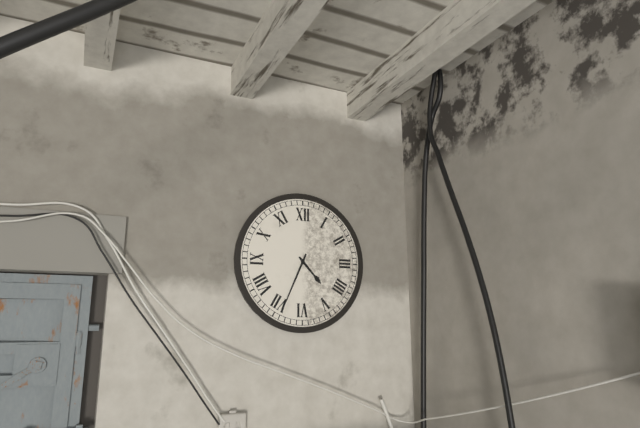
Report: 4:34
